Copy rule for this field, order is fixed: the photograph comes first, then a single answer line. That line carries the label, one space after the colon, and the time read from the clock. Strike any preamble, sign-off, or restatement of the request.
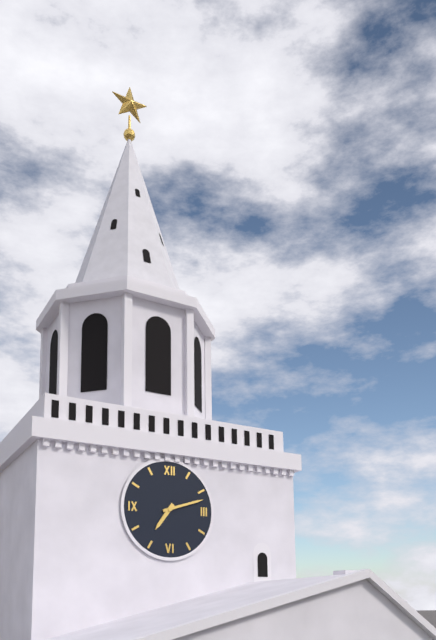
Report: 7:12
